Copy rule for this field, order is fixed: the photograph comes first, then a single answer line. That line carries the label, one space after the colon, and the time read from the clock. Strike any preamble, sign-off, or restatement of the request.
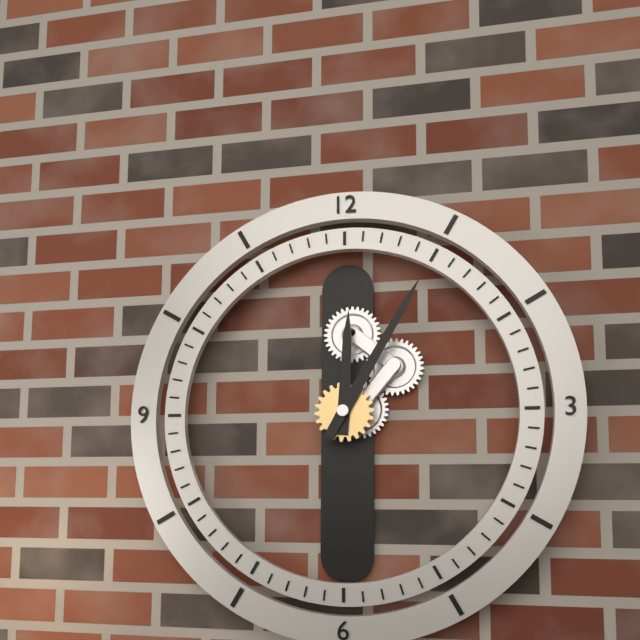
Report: 12:05
